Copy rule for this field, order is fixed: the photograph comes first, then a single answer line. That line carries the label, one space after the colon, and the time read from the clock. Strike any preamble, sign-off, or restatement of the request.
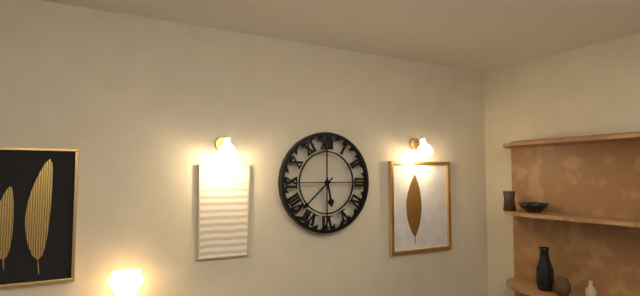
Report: 5:38
